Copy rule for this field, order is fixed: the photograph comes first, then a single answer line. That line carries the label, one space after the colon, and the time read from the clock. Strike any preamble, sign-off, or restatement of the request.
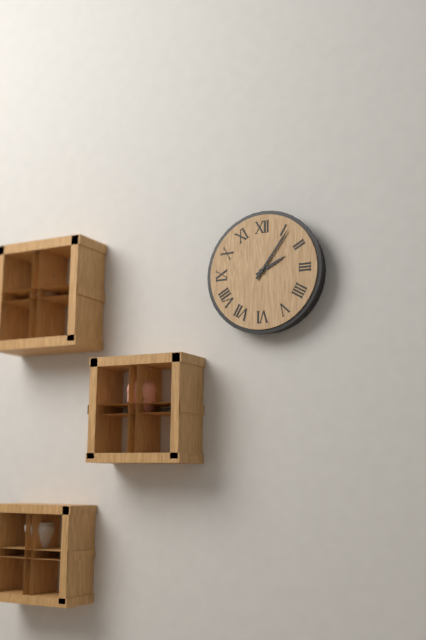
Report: 2:06
